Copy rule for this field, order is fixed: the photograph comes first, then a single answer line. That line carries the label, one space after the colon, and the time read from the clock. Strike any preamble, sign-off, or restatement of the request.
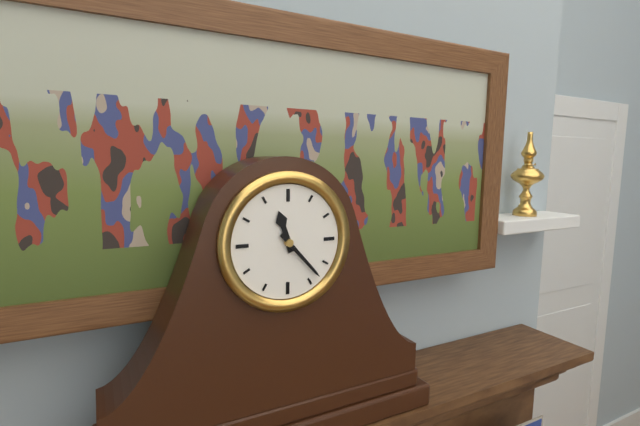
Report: 11:23
